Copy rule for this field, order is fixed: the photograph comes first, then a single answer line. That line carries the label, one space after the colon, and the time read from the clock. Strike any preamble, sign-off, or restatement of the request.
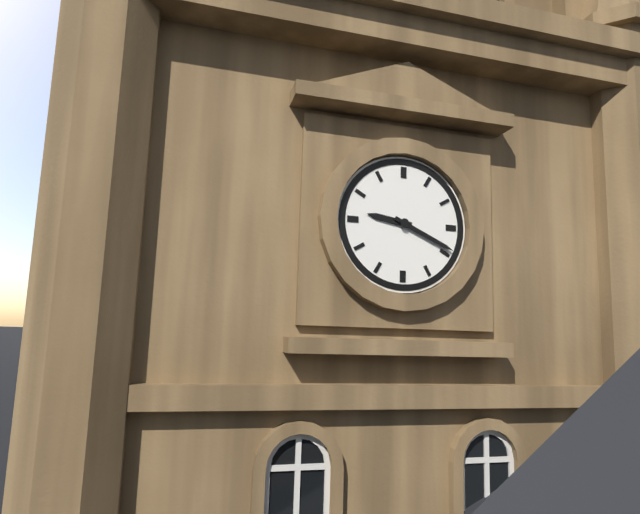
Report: 9:19
